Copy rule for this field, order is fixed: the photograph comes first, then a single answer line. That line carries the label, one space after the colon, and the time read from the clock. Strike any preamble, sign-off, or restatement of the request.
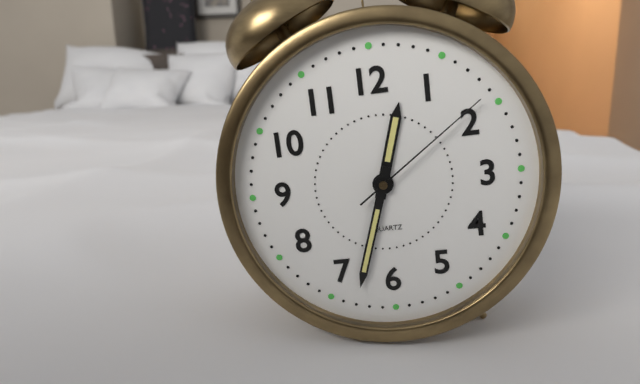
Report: 12:33:09
